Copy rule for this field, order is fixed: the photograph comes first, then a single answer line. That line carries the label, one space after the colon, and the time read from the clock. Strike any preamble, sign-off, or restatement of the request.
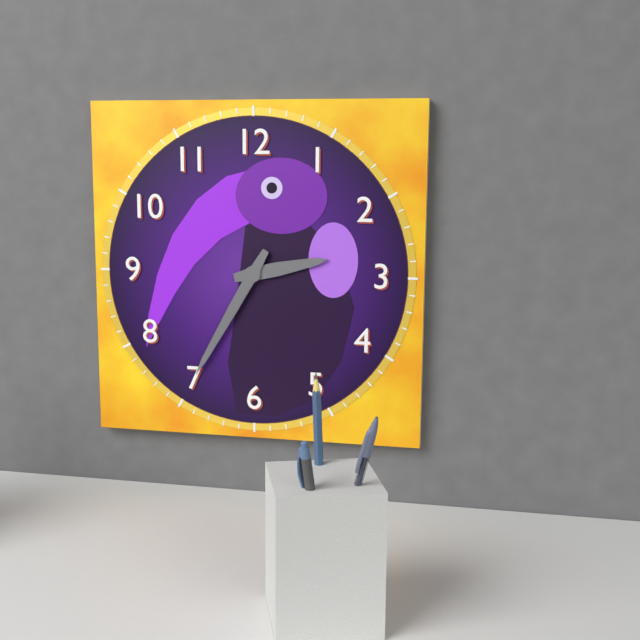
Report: 2:35
